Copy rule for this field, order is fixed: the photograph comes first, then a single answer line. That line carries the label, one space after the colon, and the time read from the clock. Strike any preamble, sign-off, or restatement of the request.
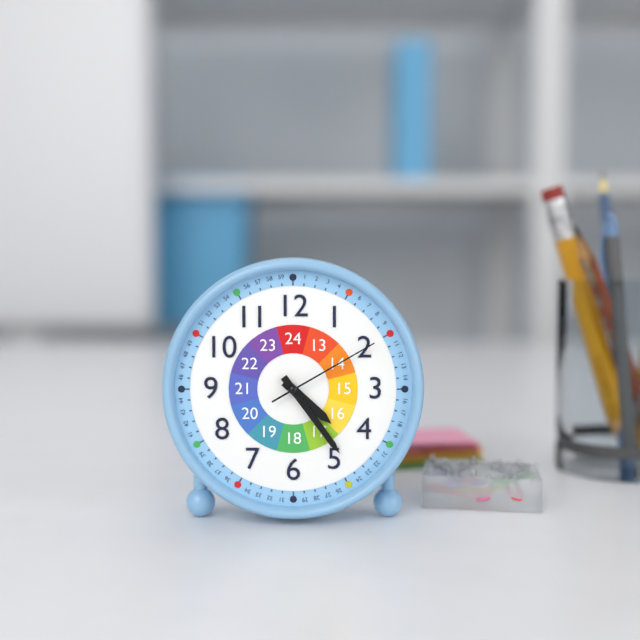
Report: 4:24:10
